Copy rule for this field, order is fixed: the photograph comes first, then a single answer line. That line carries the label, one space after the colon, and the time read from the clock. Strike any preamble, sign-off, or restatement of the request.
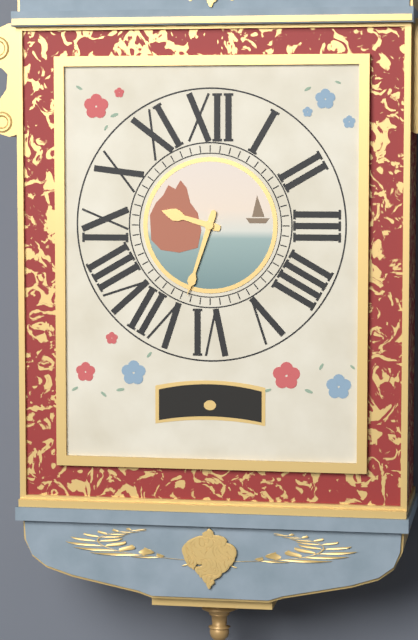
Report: 9:33
